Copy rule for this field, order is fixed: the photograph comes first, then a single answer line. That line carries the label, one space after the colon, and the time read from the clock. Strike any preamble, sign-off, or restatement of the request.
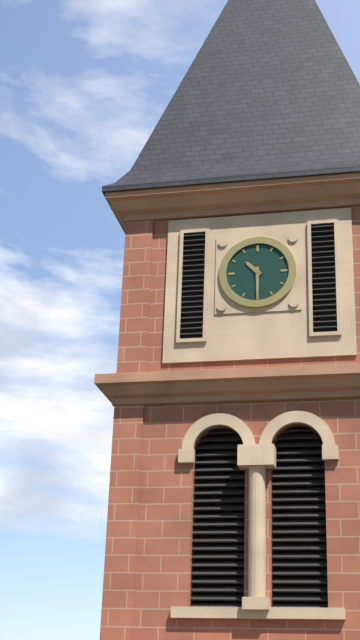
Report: 10:30
